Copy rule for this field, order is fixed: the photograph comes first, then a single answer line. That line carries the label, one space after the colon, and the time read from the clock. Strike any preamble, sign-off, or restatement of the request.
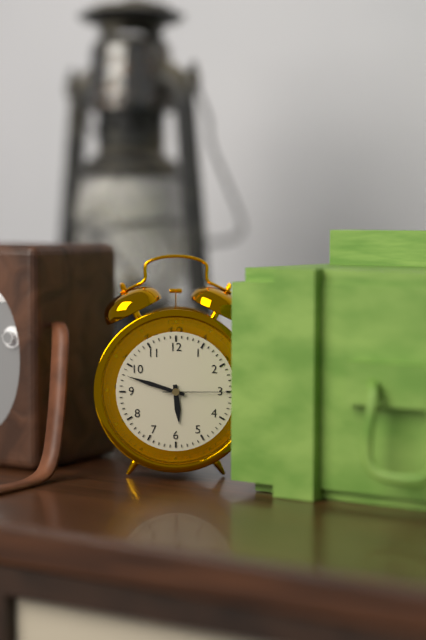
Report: 5:48:15
